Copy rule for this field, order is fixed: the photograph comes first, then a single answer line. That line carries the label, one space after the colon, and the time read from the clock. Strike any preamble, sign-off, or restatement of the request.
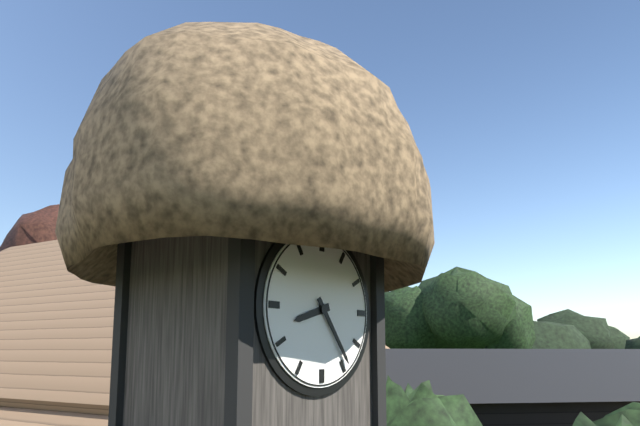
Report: 8:24
